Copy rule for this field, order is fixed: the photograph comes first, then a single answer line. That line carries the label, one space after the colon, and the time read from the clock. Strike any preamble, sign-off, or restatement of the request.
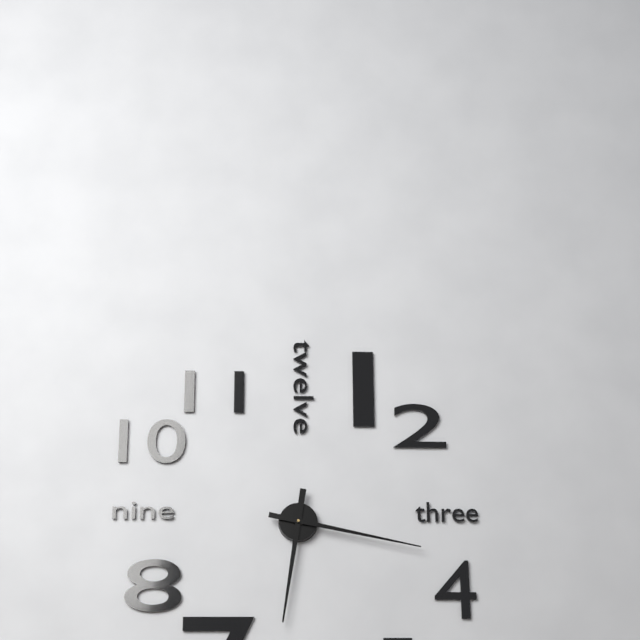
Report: 6:17
